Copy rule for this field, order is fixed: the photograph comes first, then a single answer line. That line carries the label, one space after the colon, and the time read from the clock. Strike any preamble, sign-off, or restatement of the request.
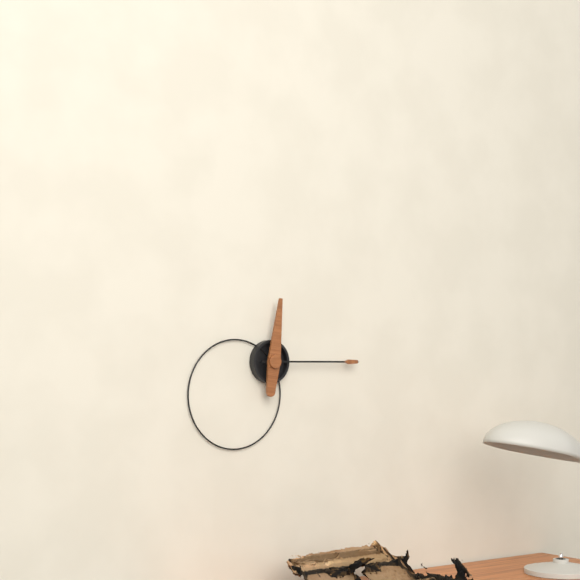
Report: 12:15
